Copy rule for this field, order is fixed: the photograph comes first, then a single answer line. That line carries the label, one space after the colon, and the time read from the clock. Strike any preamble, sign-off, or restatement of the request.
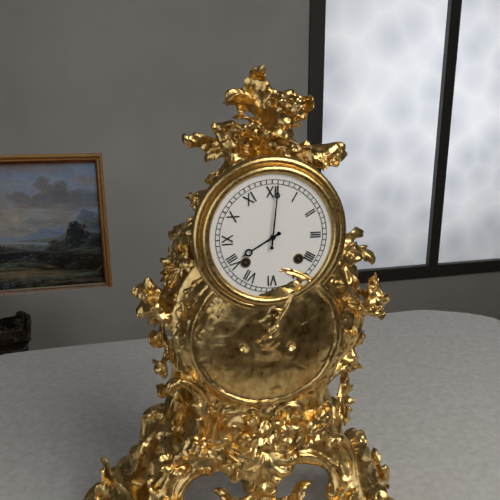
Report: 8:01
